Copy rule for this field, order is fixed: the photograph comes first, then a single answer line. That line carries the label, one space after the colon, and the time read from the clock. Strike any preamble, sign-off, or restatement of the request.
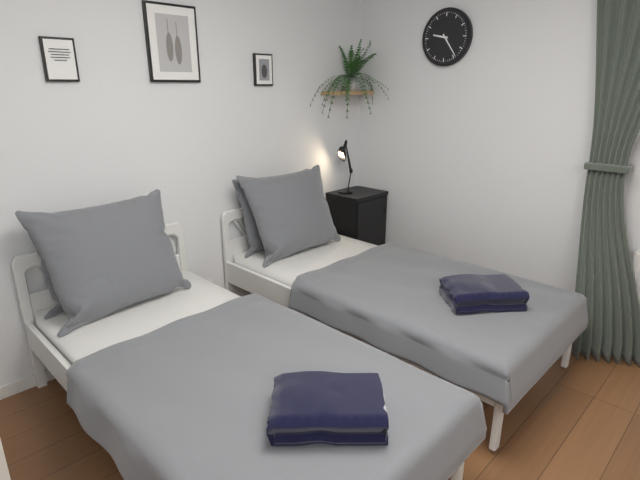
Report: 9:24
